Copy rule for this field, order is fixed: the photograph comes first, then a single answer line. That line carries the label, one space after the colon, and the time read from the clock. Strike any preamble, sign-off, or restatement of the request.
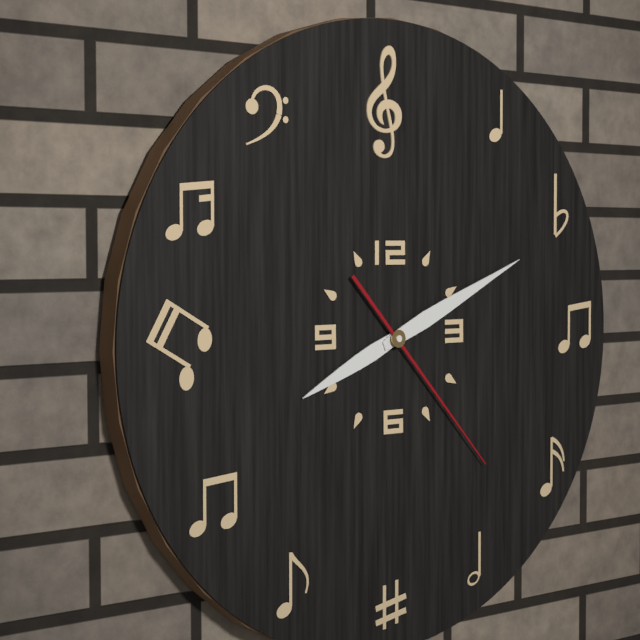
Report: 8:11:23
